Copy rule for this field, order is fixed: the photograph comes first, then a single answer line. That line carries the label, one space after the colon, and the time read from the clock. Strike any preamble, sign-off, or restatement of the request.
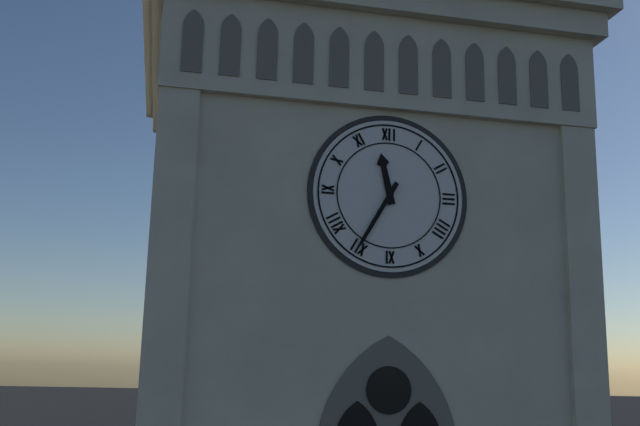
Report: 11:35
